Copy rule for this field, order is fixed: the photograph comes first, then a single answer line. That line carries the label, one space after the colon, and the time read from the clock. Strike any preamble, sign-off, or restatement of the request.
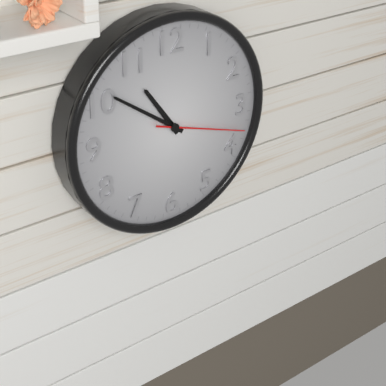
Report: 10:51:18
